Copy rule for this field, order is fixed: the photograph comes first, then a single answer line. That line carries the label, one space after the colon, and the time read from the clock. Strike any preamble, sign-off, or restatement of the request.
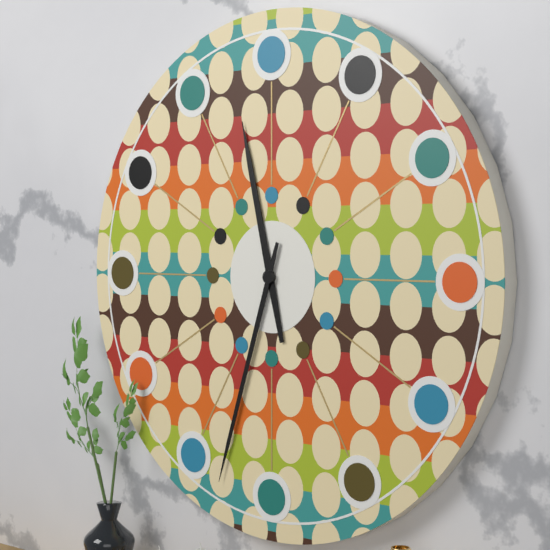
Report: 11:33
